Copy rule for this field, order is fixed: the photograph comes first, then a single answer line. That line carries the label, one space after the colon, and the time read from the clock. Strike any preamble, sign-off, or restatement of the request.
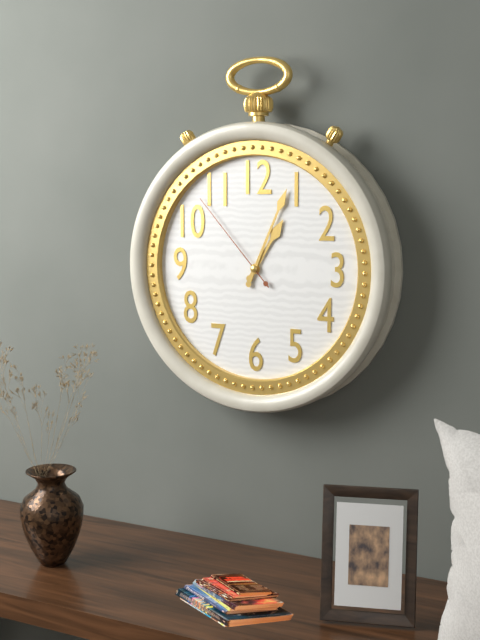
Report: 1:04:53
